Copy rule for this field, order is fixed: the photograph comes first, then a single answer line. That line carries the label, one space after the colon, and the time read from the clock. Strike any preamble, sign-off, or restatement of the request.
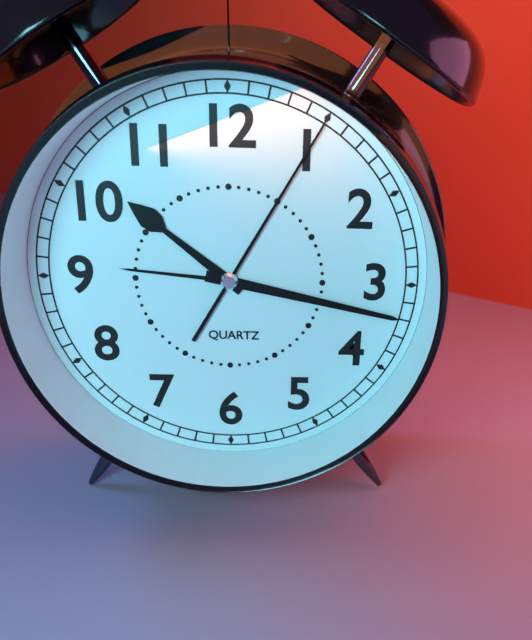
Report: 10:17:05
